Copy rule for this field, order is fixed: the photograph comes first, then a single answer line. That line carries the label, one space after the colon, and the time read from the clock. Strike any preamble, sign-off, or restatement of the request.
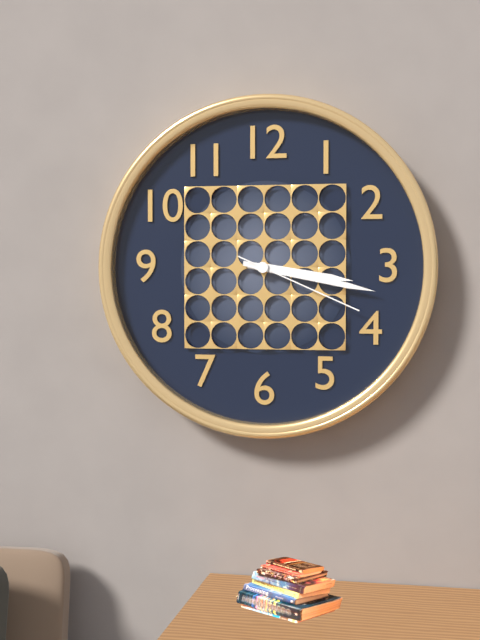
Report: 3:17:19
